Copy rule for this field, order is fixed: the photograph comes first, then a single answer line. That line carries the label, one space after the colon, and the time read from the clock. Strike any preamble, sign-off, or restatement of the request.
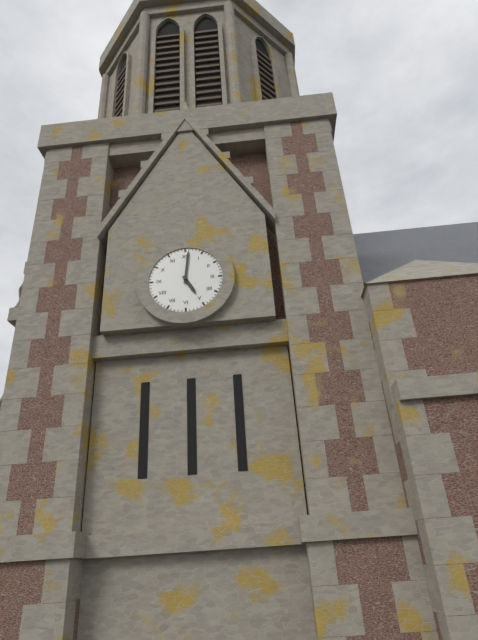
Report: 5:01
